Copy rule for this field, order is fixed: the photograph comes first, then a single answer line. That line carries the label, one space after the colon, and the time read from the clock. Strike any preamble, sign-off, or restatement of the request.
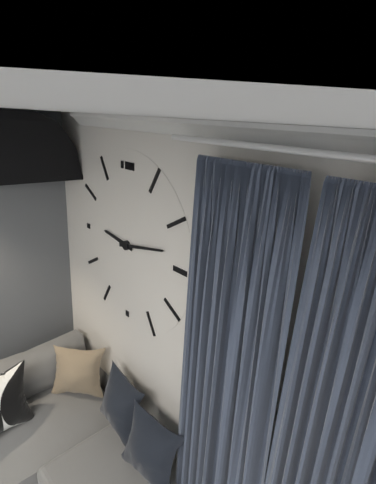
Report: 9:13
